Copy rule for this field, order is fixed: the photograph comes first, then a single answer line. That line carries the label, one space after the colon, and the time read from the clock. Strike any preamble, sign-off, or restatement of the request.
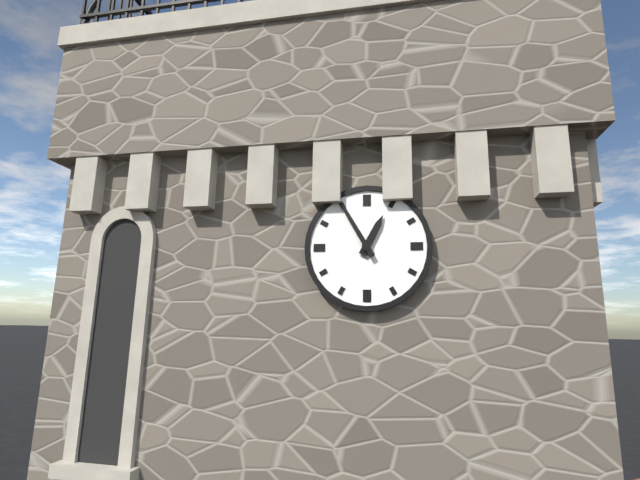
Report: 12:55
